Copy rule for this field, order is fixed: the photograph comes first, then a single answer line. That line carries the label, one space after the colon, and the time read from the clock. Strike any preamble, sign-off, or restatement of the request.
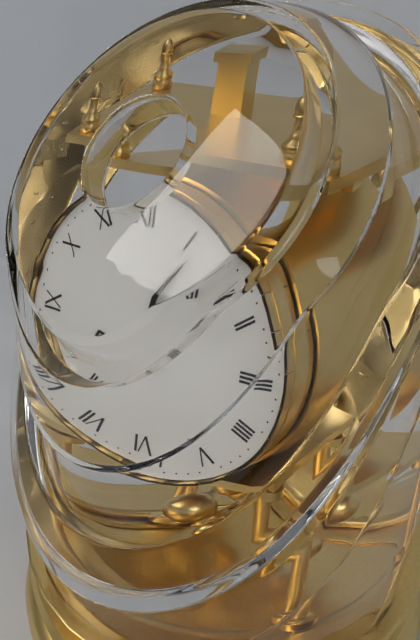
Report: 8:06
